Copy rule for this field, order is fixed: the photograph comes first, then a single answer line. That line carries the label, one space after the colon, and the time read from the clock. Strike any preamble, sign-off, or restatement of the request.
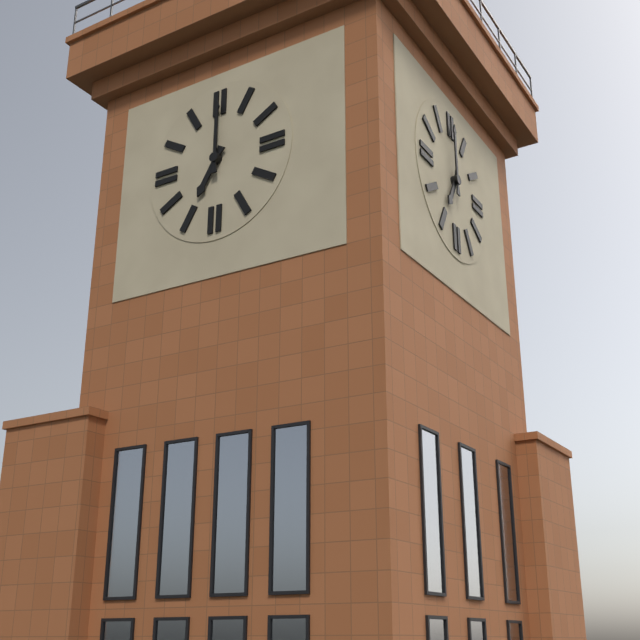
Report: 7:00
